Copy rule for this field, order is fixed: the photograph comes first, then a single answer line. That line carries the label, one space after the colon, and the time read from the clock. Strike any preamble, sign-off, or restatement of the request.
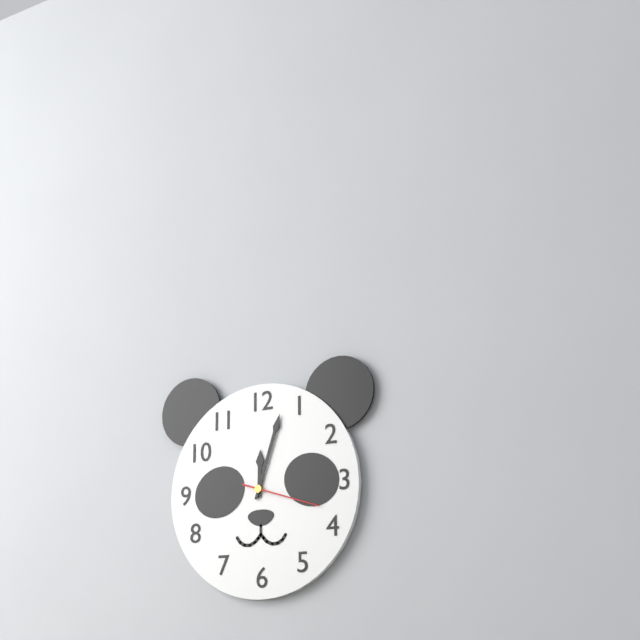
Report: 12:03:18
